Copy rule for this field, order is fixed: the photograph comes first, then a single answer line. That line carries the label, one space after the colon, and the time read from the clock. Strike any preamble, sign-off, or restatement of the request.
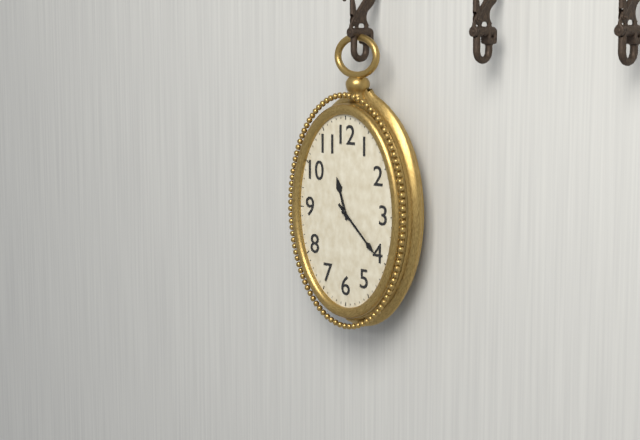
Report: 11:22
